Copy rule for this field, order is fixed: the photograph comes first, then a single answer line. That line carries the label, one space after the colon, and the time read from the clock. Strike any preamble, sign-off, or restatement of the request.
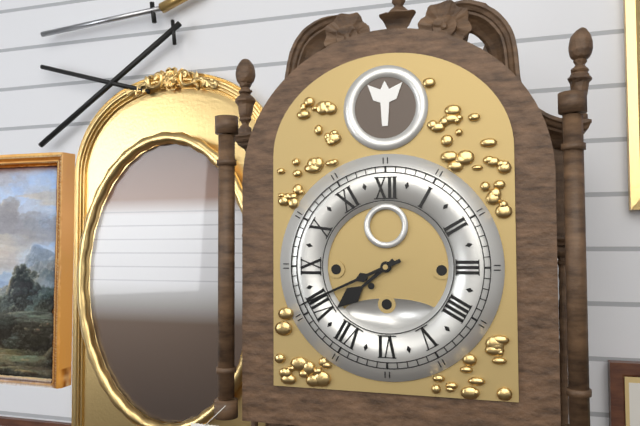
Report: 7:41
